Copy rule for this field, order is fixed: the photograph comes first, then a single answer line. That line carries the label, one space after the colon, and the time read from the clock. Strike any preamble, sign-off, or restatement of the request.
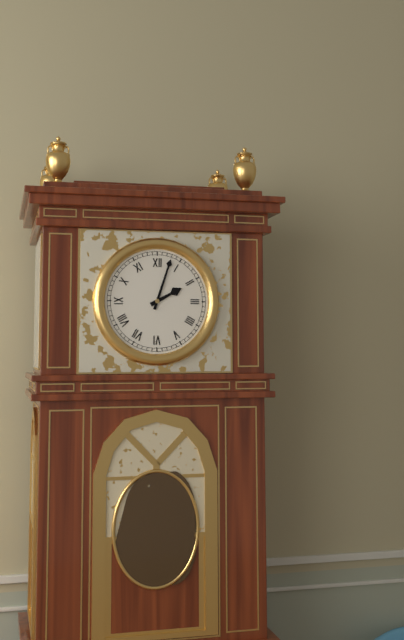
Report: 2:03
